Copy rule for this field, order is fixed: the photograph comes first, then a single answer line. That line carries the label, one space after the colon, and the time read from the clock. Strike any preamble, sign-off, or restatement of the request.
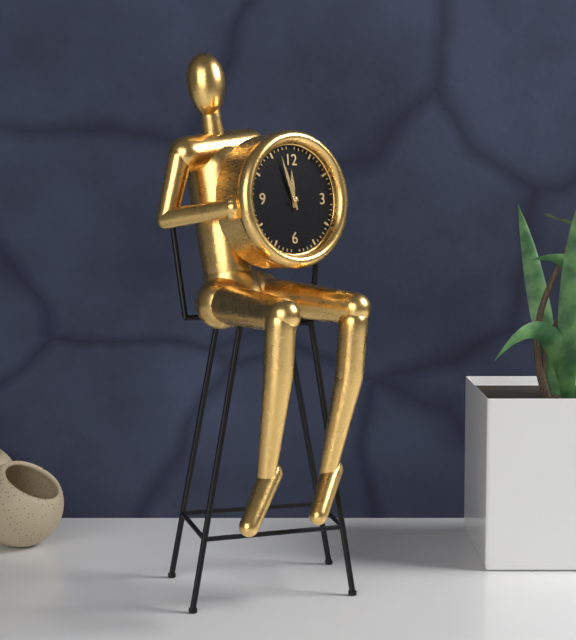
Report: 11:57
